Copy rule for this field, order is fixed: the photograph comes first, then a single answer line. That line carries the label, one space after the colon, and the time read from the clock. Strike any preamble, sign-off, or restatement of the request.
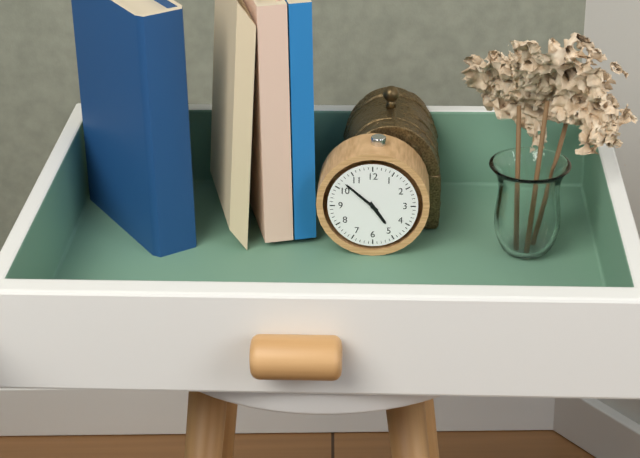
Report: 4:52
